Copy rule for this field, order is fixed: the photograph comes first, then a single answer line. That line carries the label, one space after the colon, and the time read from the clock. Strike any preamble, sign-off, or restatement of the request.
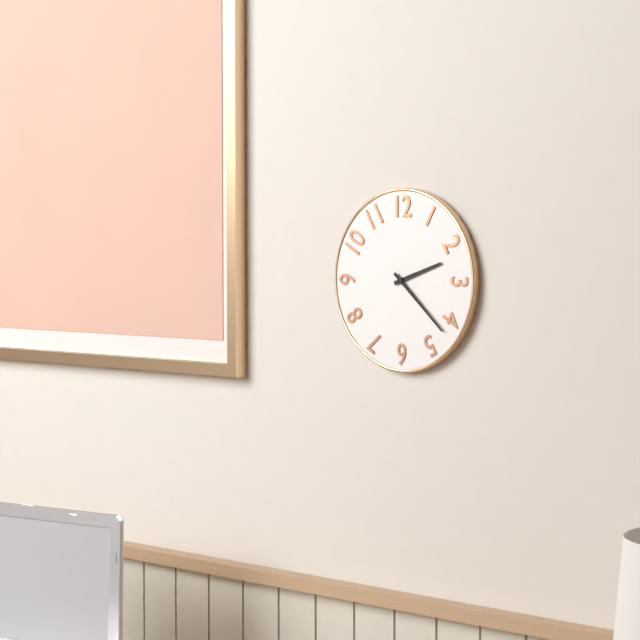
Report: 2:22
